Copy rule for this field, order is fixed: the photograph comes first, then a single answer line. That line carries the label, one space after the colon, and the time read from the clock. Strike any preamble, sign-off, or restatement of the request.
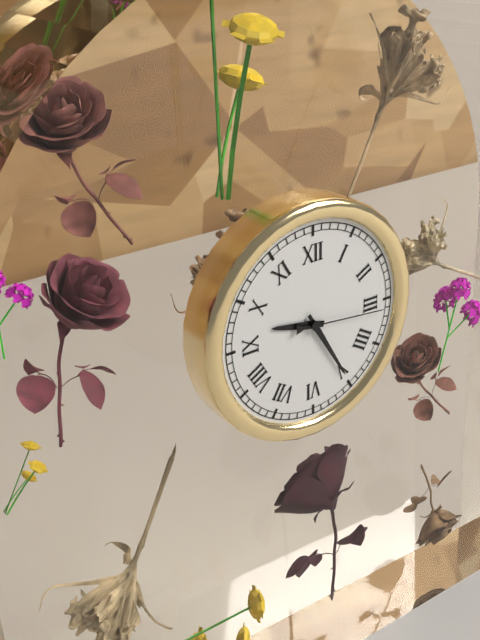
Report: 9:25:16
